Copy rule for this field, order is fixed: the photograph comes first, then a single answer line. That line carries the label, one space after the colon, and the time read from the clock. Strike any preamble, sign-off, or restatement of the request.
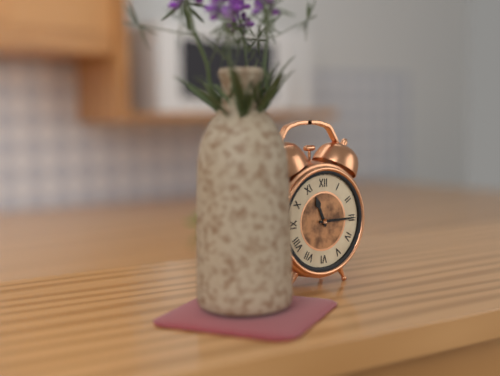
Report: 11:15
